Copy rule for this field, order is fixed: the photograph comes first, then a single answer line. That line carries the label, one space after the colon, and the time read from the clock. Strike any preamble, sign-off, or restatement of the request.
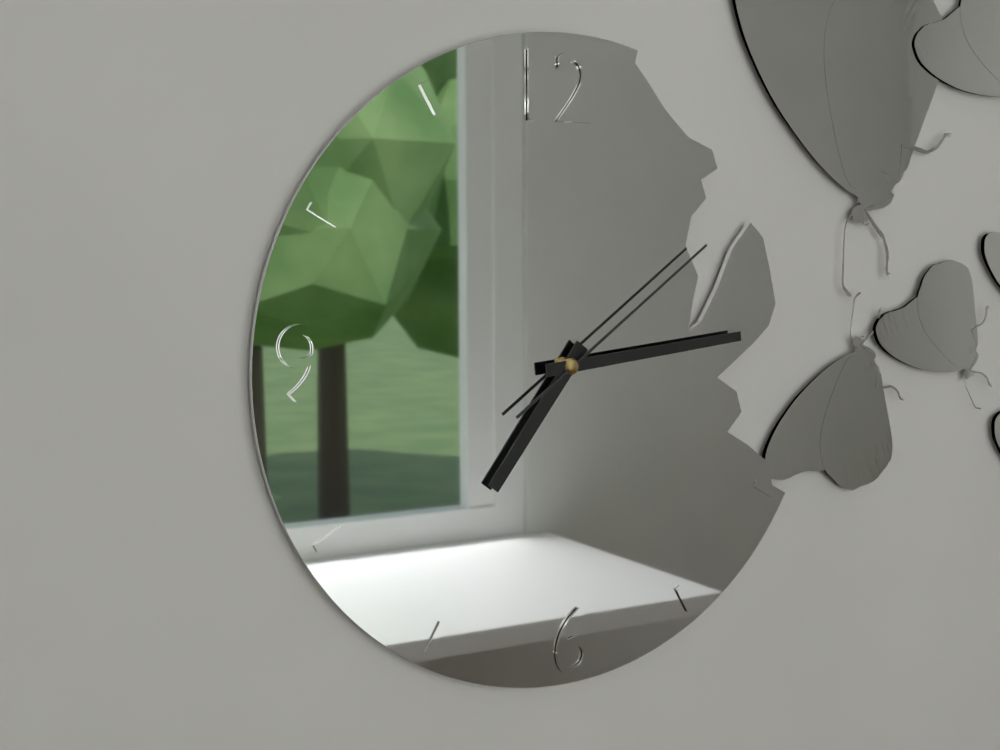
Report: 7:14:09
